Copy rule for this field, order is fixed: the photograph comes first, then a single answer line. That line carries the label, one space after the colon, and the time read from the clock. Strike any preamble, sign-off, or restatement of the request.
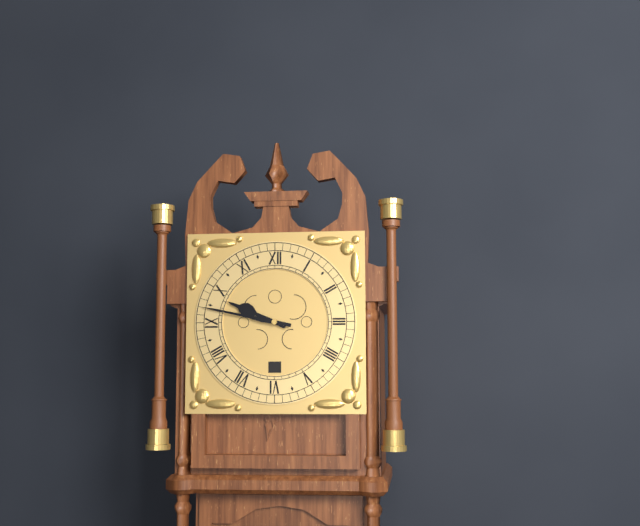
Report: 9:47
